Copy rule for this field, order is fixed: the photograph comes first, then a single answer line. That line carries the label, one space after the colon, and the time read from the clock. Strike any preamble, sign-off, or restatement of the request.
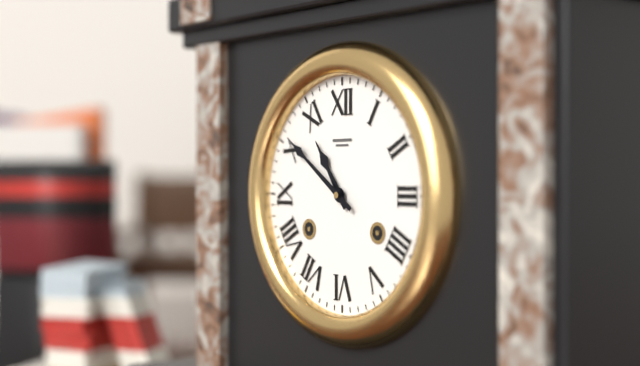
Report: 10:51
